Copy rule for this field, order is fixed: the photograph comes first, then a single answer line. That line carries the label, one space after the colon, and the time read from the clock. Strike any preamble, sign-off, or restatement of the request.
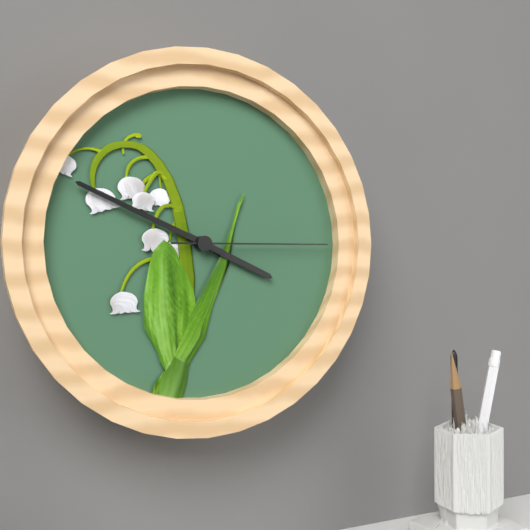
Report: 3:49:15
